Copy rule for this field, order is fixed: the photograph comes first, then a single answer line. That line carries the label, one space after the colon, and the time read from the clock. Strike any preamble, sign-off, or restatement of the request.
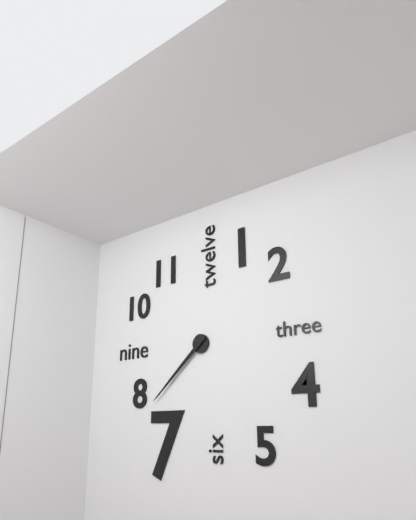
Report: 7:38
